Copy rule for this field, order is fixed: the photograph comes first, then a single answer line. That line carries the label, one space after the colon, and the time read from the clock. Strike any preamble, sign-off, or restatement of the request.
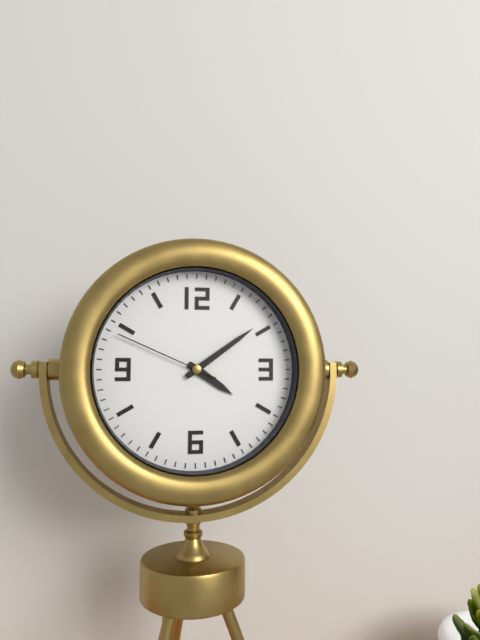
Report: 4:09:49
